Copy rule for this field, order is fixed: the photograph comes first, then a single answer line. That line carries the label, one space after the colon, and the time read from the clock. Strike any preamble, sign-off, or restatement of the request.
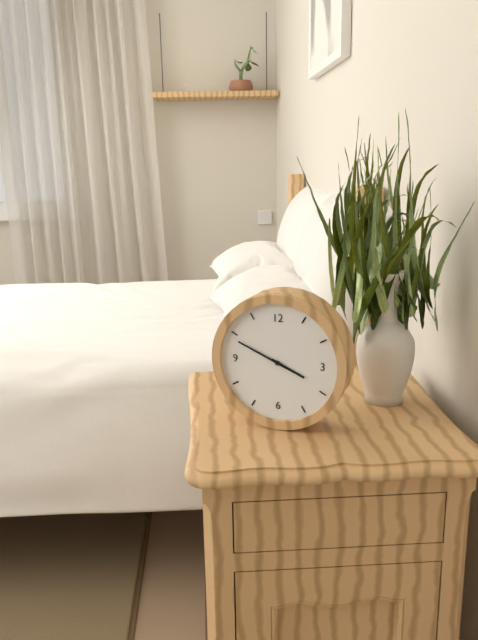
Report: 3:49
